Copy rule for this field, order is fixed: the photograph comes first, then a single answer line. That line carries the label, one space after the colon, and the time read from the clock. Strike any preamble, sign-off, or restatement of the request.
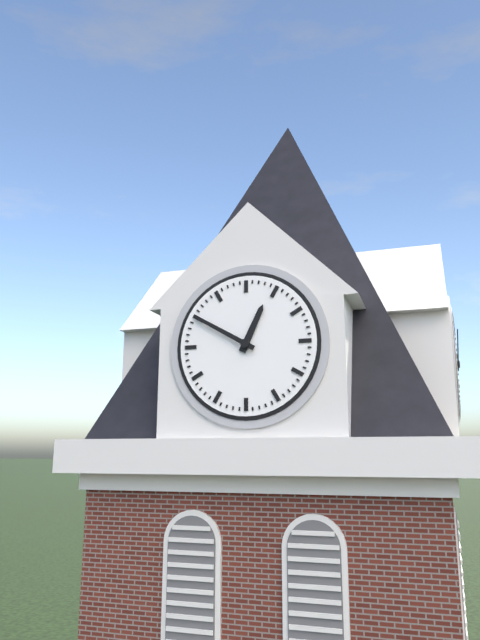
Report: 12:50
